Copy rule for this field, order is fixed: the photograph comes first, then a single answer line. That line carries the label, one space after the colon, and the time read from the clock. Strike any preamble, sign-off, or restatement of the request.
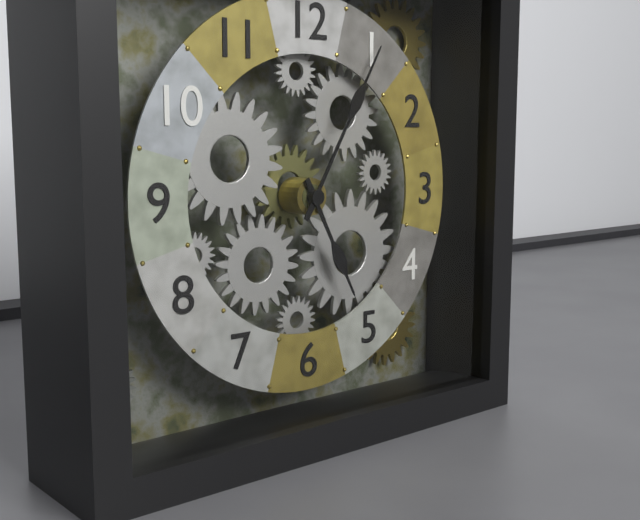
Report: 5:05
